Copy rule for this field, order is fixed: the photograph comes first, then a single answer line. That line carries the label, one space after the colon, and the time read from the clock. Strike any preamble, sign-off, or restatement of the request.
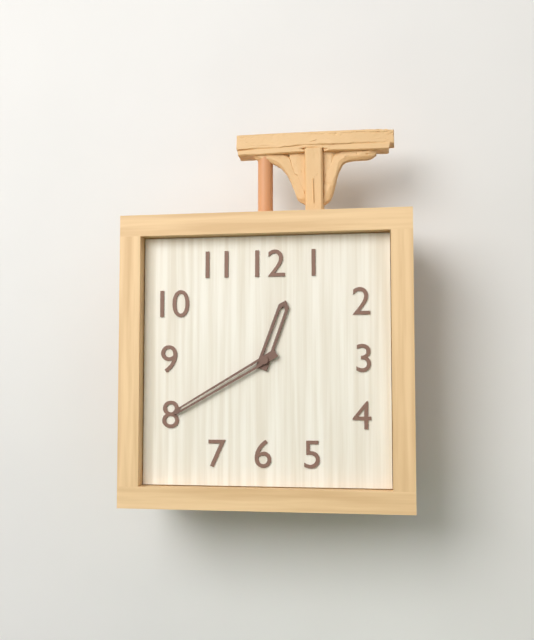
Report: 12:40
